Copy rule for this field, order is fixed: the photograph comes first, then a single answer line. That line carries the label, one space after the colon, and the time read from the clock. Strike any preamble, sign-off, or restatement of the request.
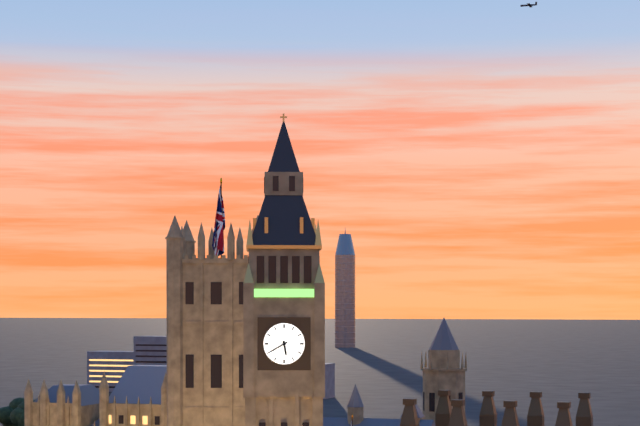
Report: 5:40
